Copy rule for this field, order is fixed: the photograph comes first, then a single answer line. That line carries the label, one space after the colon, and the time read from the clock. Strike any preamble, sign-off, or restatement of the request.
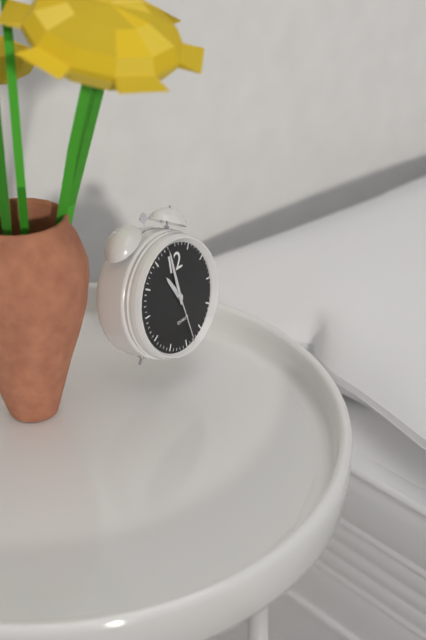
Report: 10:59:28
